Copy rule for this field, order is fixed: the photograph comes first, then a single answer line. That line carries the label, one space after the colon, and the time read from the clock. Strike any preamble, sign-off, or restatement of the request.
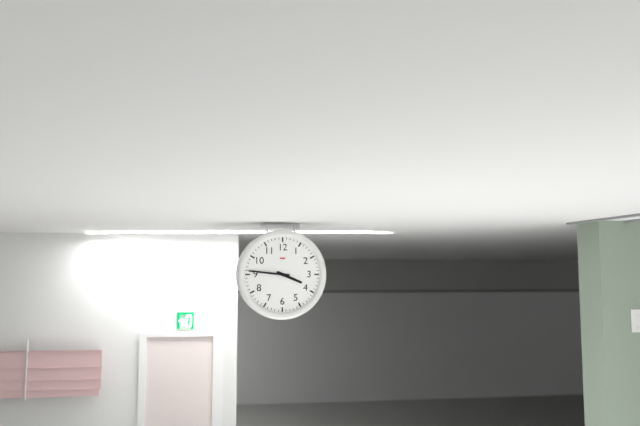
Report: 3:46
